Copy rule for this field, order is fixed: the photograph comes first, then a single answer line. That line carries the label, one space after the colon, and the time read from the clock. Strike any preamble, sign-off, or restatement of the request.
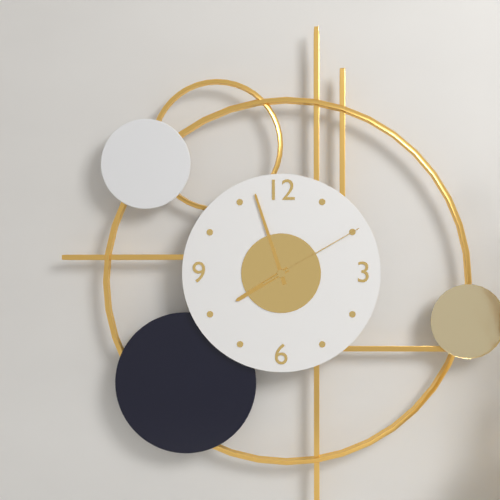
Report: 7:57:10
